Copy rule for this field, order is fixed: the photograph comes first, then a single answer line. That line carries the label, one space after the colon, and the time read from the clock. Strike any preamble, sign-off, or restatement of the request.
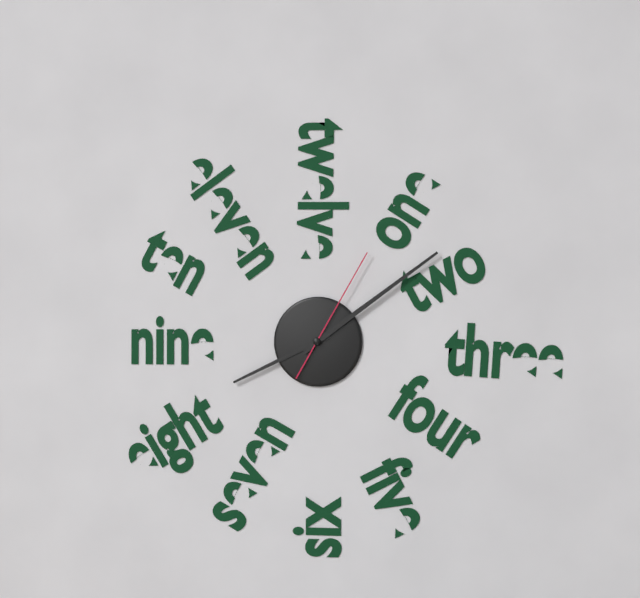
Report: 8:09:05
